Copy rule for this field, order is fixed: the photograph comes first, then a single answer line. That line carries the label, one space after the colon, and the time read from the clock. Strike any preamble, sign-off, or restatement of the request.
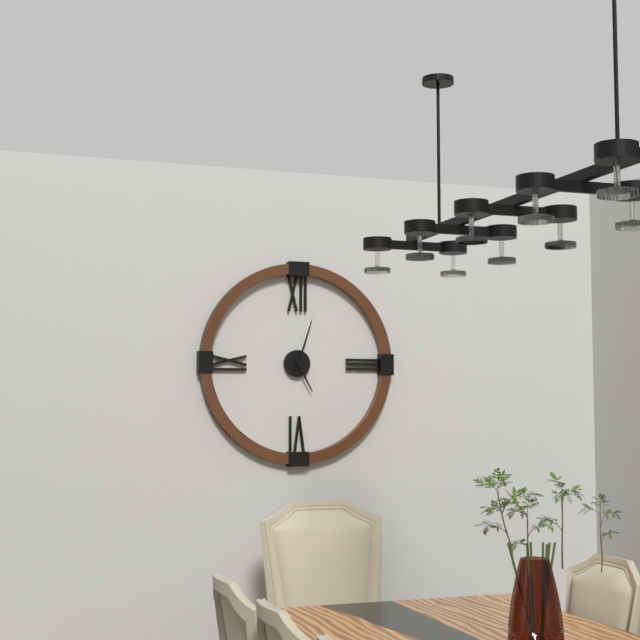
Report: 5:03
